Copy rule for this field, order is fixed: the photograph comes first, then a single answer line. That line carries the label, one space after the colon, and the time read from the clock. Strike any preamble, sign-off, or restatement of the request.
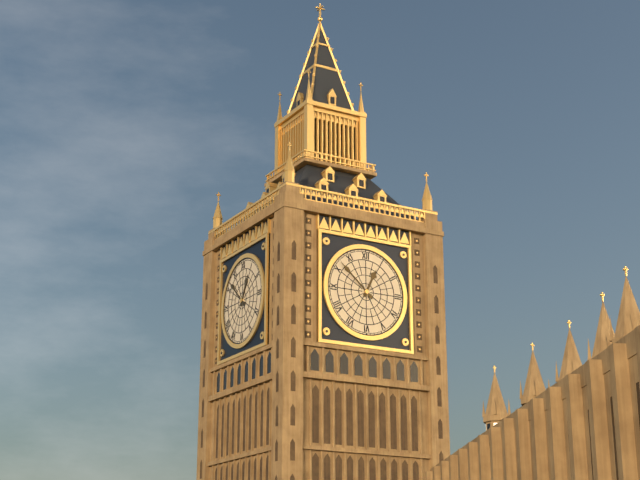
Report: 12:52
